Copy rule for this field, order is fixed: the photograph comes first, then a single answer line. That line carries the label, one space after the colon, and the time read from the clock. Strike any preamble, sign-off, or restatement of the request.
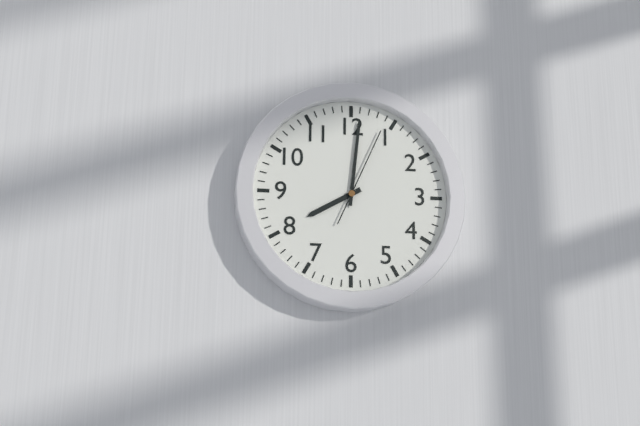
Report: 8:01:04
